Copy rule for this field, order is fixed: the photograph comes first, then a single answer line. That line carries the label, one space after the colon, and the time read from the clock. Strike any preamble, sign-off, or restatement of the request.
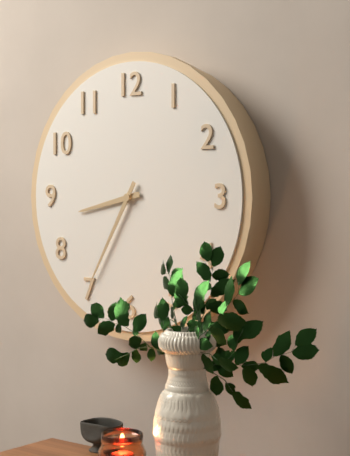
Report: 8:35
